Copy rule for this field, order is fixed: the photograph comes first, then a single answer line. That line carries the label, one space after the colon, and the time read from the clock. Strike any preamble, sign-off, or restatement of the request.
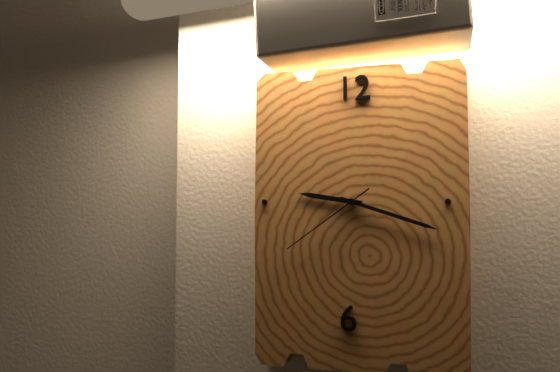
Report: 9:18:39
